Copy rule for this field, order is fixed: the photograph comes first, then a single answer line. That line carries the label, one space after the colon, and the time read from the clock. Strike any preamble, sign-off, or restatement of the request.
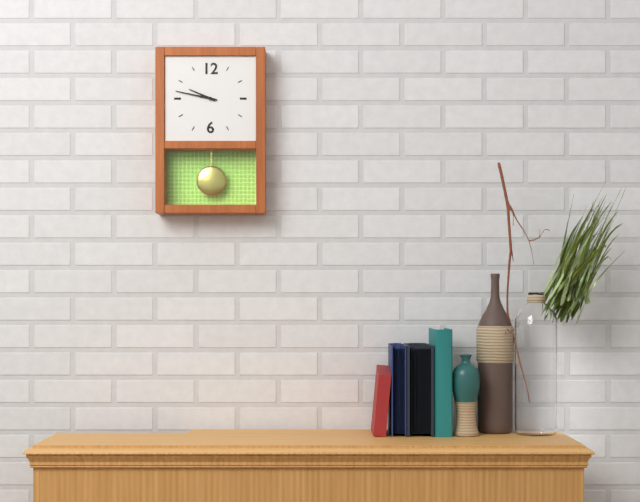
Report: 9:47
